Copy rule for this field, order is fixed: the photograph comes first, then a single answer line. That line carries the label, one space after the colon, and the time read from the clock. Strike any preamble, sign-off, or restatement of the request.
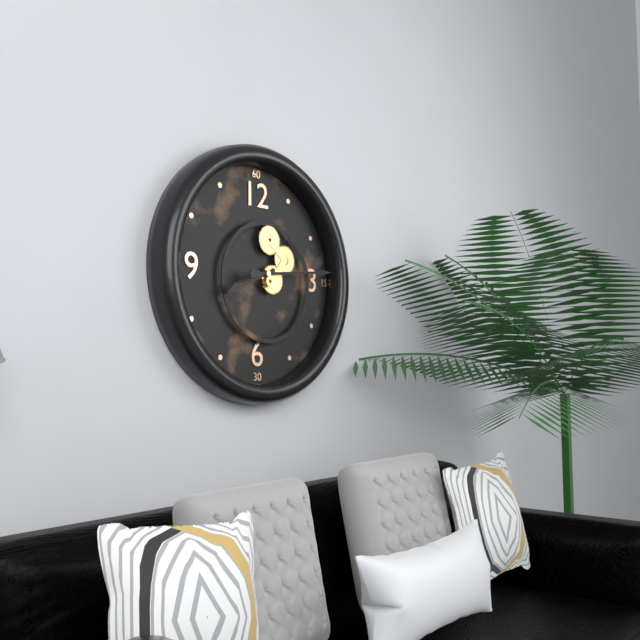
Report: 8:14
